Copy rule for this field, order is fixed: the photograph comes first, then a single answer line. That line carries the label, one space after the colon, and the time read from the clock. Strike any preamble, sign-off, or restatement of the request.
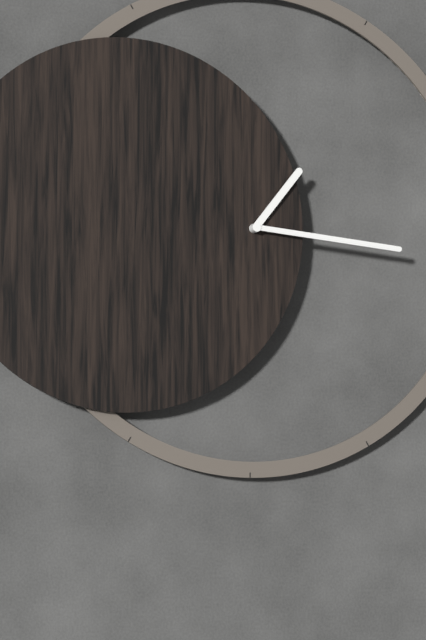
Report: 1:16
